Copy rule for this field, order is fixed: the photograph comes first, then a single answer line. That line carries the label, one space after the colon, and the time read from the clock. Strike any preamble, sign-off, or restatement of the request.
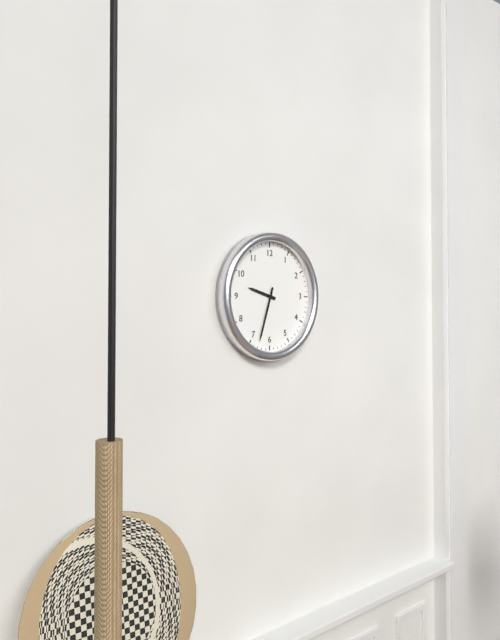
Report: 9:33
